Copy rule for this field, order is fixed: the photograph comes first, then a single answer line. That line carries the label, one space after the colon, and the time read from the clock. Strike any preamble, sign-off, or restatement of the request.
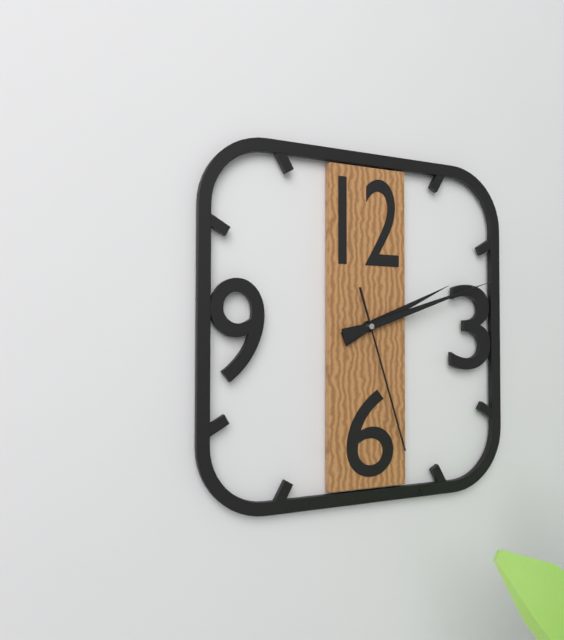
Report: 2:12:27
